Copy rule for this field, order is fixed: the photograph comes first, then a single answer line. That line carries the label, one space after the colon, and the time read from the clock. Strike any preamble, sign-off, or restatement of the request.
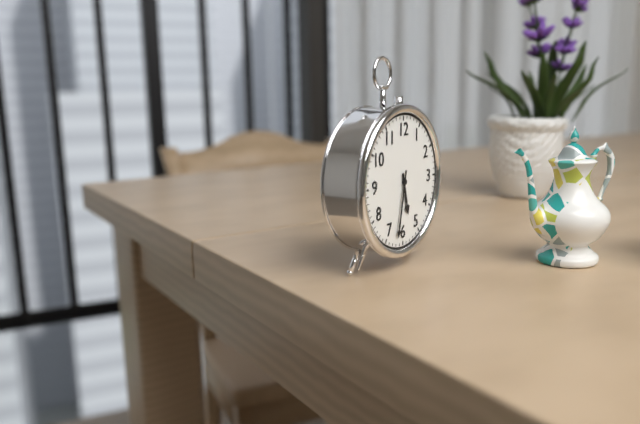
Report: 5:32
